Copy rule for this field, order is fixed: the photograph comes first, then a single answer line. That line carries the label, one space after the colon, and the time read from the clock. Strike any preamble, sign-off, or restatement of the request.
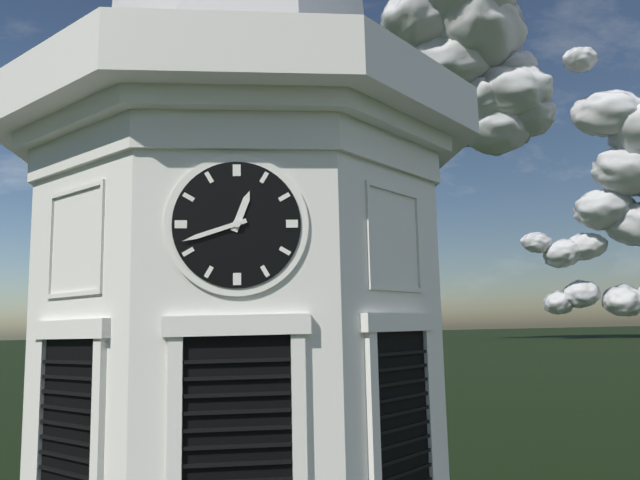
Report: 12:42
